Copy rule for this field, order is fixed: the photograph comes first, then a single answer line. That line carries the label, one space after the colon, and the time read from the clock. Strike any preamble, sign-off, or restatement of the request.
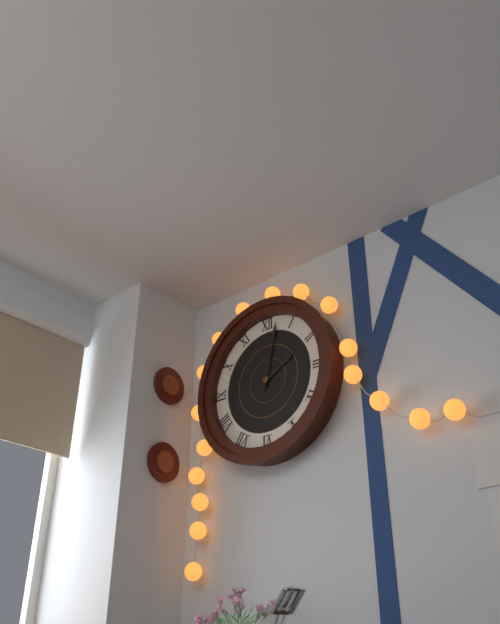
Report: 2:02
